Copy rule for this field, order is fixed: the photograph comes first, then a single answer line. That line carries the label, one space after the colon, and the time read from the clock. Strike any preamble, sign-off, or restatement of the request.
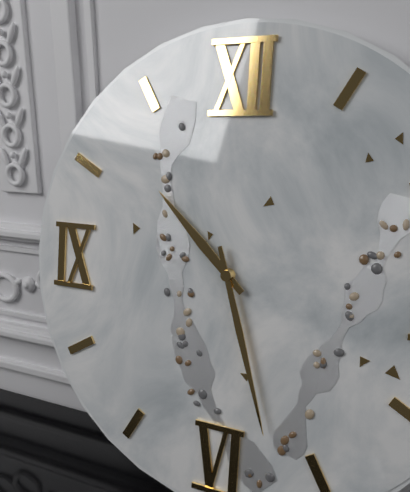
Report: 10:27
